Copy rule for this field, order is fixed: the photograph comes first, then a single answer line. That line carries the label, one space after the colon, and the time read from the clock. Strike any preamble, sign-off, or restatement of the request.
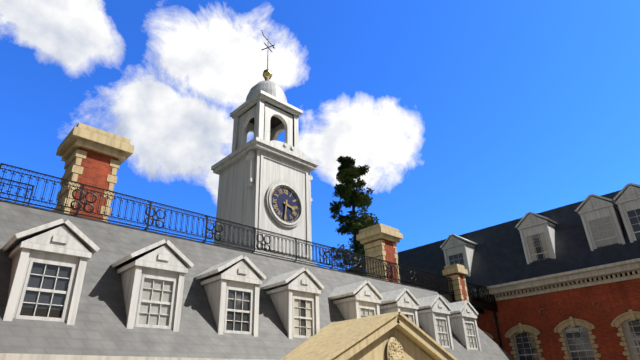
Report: 3:31
